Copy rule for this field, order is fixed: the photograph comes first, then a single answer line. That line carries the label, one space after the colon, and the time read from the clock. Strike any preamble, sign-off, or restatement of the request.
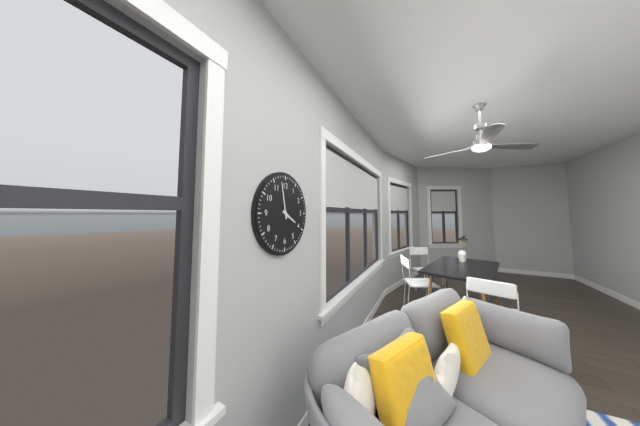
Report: 3:58
